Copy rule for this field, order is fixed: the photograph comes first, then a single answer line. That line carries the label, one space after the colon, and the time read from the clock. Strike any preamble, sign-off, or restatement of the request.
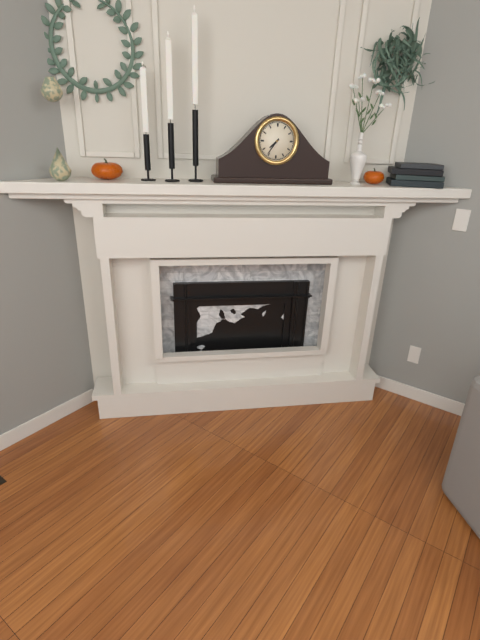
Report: 7:36
